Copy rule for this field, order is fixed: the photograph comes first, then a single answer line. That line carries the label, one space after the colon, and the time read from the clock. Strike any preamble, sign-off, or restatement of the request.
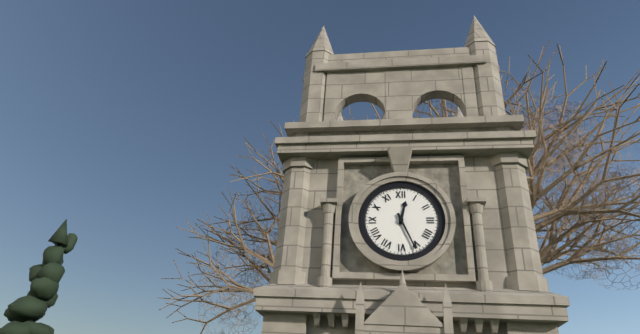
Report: 12:26
